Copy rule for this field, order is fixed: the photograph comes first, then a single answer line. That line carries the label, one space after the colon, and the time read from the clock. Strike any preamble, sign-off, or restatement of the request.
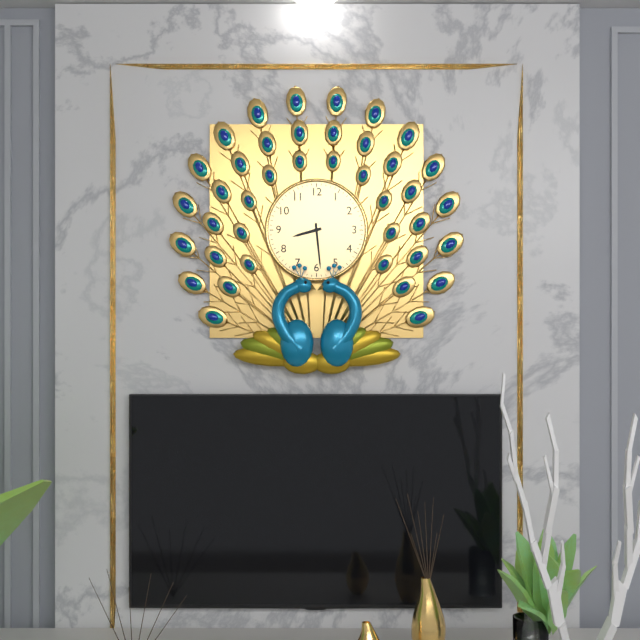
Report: 8:29
